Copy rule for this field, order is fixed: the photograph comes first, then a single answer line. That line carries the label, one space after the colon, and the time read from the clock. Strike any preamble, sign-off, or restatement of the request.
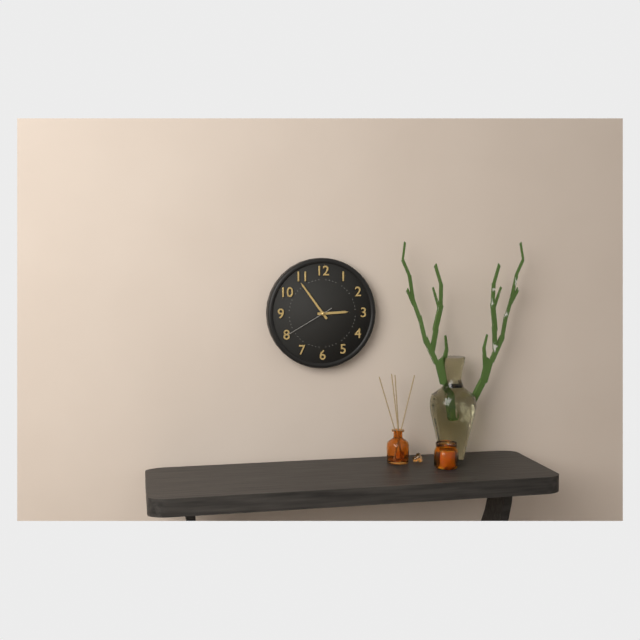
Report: 2:54
